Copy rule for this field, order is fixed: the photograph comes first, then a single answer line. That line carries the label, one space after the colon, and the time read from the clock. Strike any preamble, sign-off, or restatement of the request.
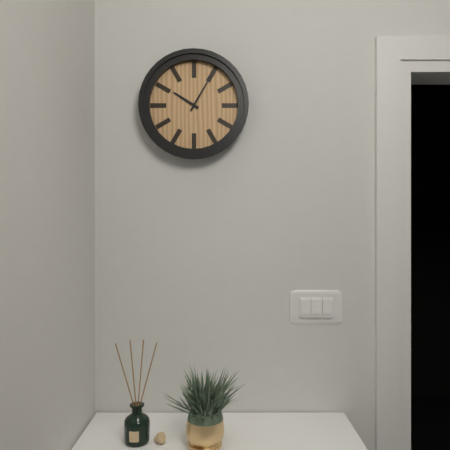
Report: 10:05
